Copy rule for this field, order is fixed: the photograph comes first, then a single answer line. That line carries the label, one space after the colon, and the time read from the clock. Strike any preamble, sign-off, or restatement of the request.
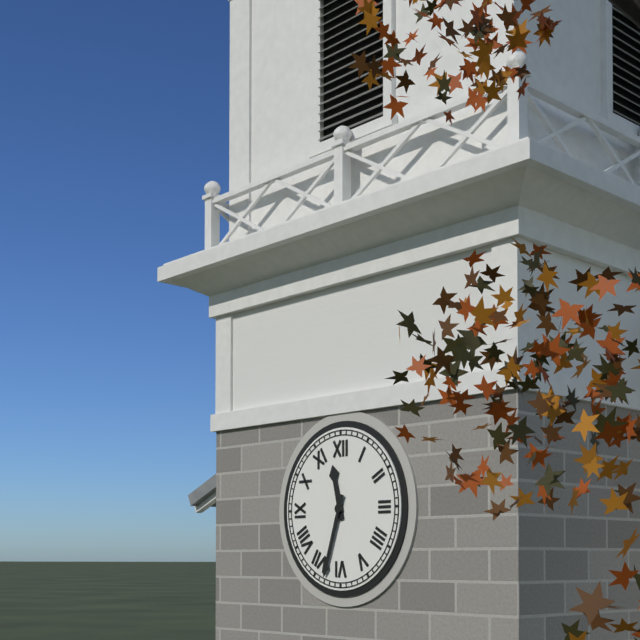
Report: 11:33
